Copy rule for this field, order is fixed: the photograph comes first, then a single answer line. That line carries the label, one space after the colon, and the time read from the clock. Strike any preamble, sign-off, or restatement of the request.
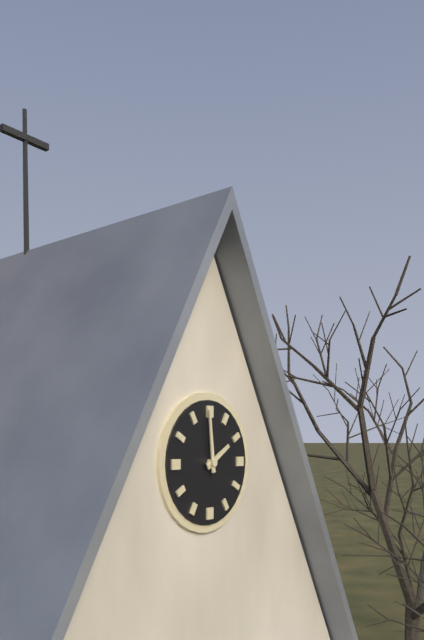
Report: 1:59
